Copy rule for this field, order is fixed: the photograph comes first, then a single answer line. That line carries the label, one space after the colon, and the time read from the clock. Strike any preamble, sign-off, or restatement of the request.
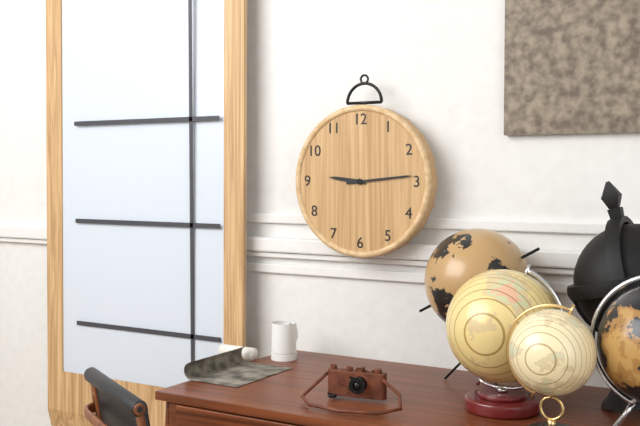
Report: 9:14
